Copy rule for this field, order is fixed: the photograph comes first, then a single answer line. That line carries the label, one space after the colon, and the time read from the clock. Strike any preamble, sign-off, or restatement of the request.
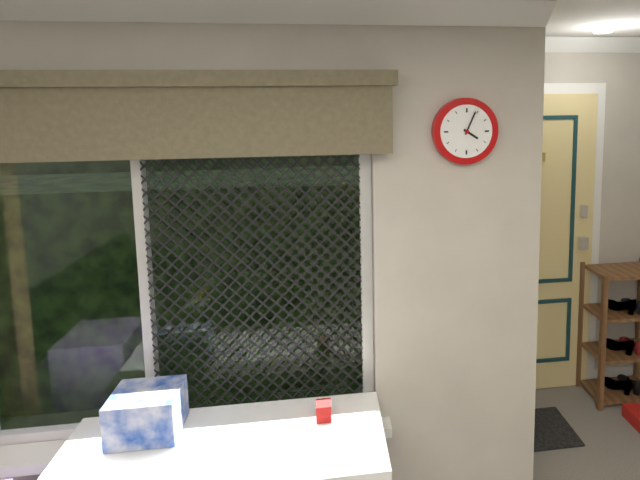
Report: 4:04
